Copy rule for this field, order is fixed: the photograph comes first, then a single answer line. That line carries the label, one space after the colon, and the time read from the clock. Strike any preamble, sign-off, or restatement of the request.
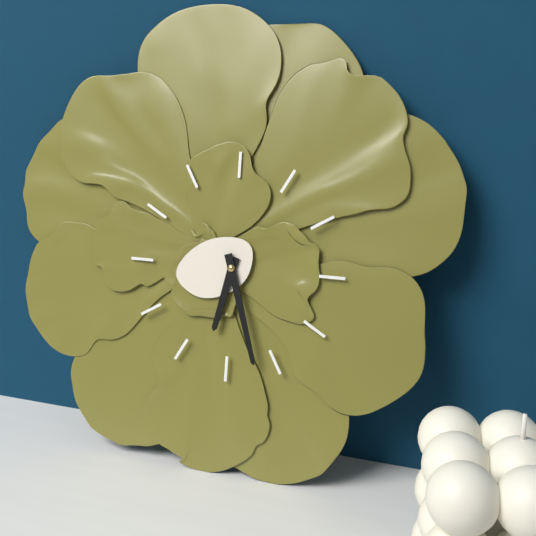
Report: 6:27
